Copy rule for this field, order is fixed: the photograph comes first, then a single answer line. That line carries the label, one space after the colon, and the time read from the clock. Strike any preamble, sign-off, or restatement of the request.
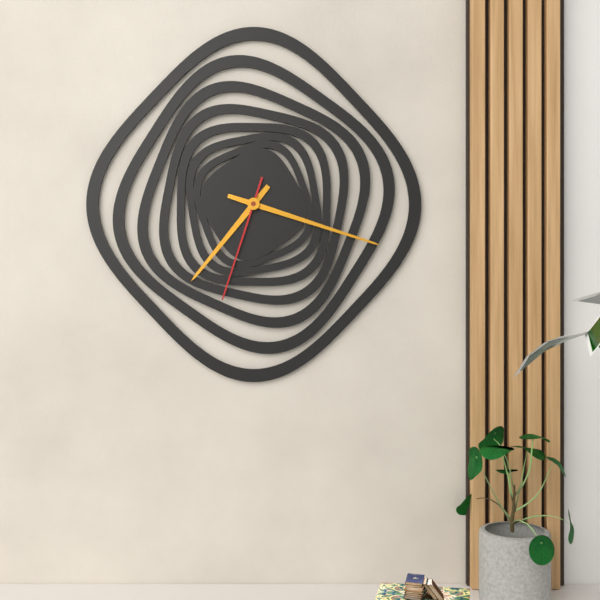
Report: 7:18:33
